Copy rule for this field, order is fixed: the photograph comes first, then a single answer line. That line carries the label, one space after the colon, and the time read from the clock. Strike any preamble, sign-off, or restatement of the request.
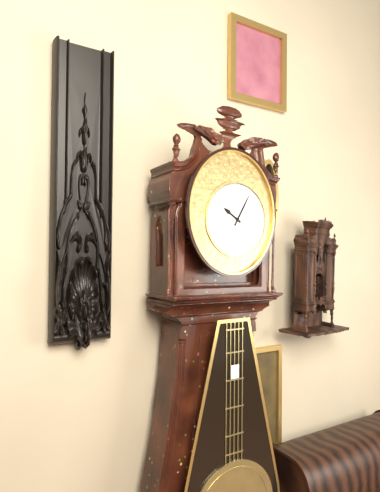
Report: 10:05
